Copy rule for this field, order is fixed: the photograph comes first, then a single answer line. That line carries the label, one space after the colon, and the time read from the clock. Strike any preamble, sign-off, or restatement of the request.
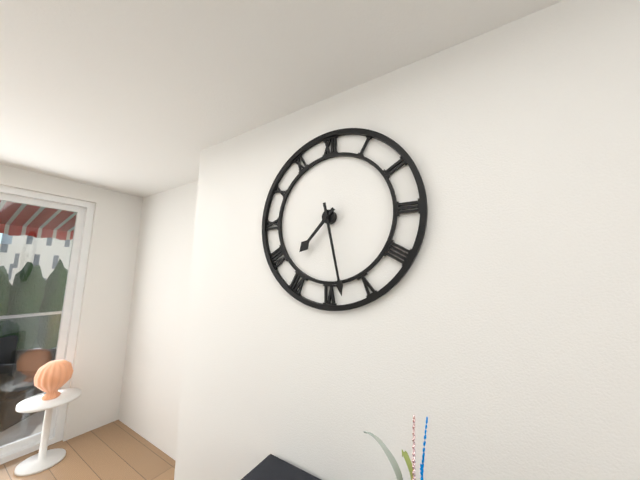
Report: 7:28
